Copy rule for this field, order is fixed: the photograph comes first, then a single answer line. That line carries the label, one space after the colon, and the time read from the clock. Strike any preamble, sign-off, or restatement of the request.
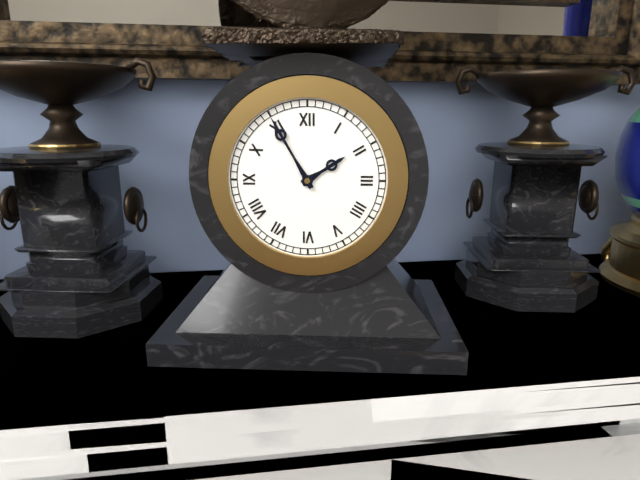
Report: 1:55
